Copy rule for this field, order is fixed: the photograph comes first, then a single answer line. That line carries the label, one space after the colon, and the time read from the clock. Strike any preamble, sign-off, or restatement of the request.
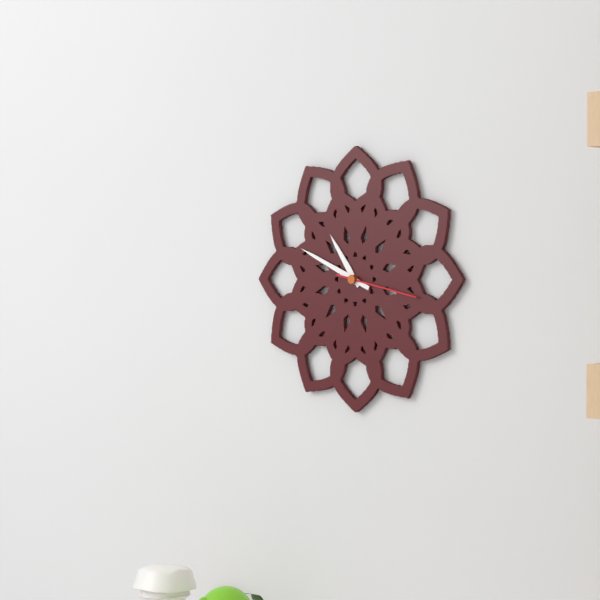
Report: 10:49:17
